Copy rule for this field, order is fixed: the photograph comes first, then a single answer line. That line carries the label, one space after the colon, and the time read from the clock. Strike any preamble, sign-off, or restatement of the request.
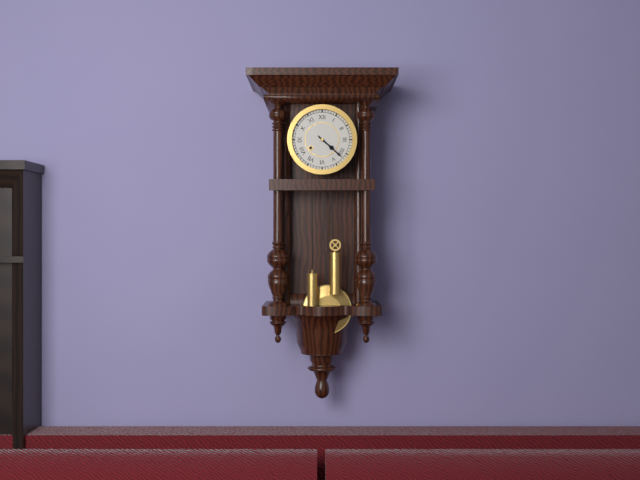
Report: 4:22
